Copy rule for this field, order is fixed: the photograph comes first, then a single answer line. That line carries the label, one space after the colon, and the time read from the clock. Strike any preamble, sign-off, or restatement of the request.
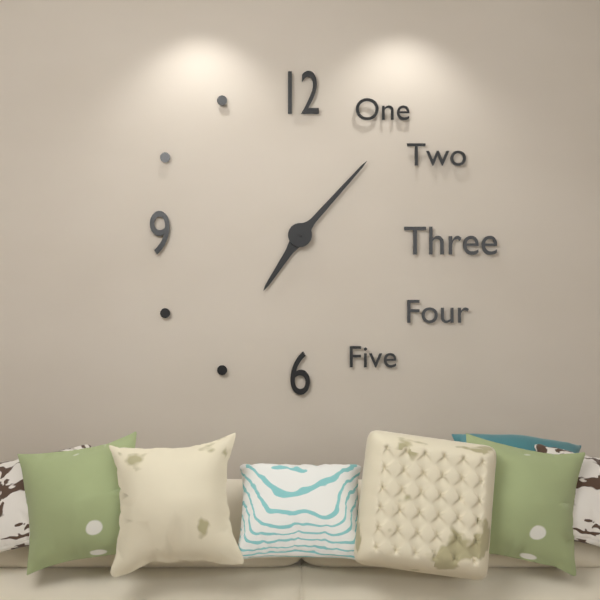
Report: 7:07
